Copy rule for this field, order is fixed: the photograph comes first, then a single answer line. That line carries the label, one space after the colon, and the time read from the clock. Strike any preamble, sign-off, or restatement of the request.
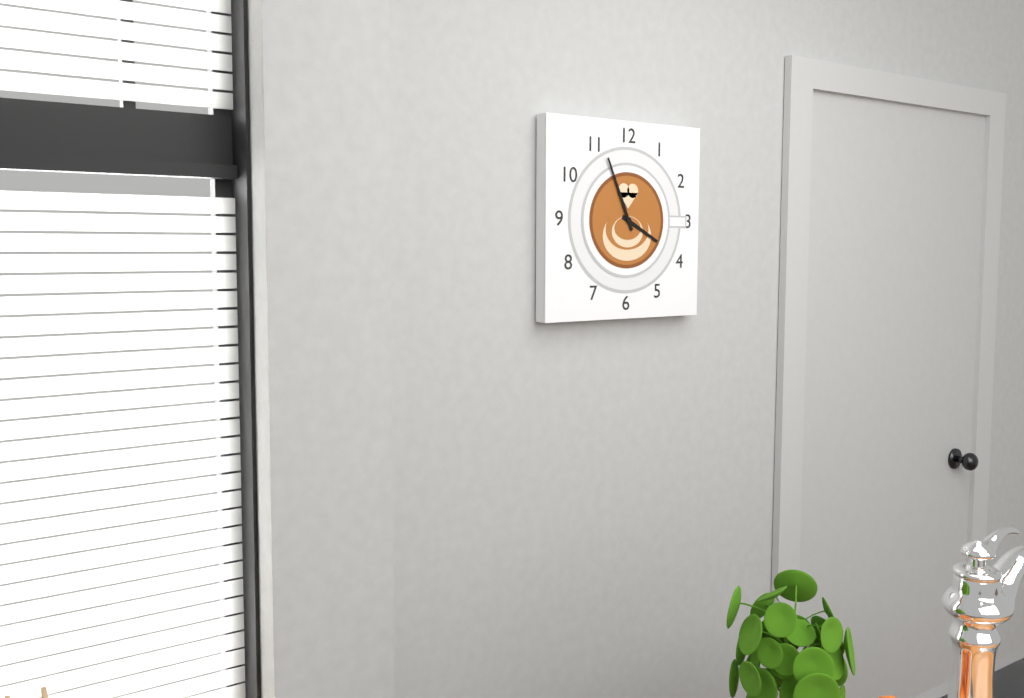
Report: 3:56
